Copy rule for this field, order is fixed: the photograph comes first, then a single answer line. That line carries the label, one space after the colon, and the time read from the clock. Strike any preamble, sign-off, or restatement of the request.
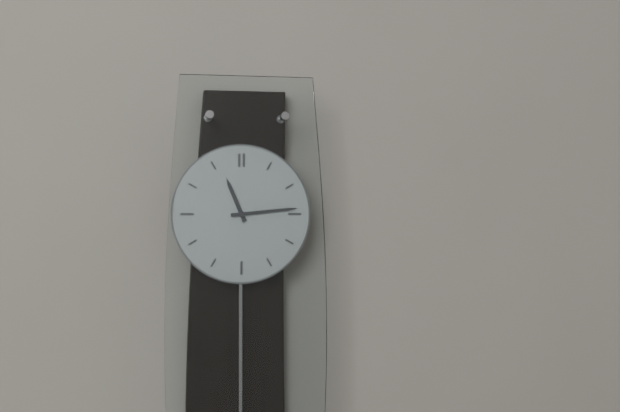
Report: 11:14
